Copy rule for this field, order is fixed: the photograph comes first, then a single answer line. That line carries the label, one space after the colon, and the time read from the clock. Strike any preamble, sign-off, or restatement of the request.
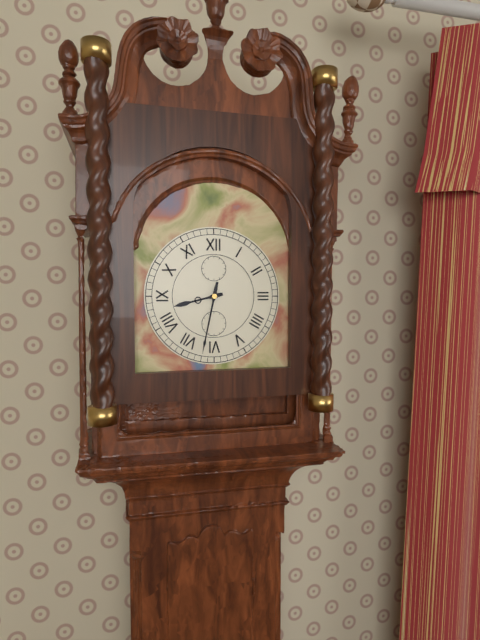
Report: 8:32
